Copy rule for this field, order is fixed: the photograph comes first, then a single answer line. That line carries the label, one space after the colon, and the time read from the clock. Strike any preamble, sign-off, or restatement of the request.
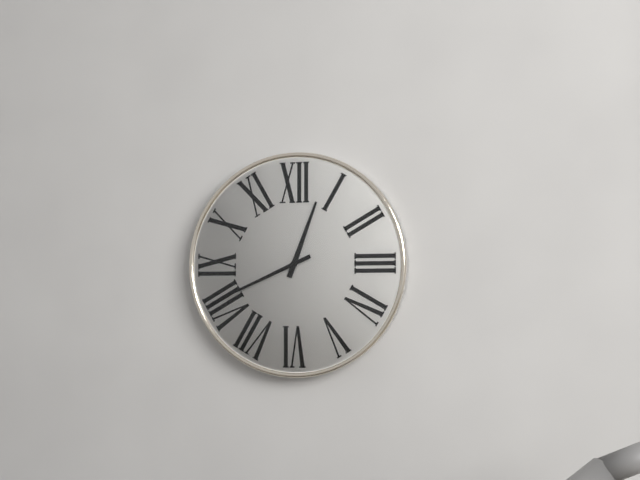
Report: 12:41
